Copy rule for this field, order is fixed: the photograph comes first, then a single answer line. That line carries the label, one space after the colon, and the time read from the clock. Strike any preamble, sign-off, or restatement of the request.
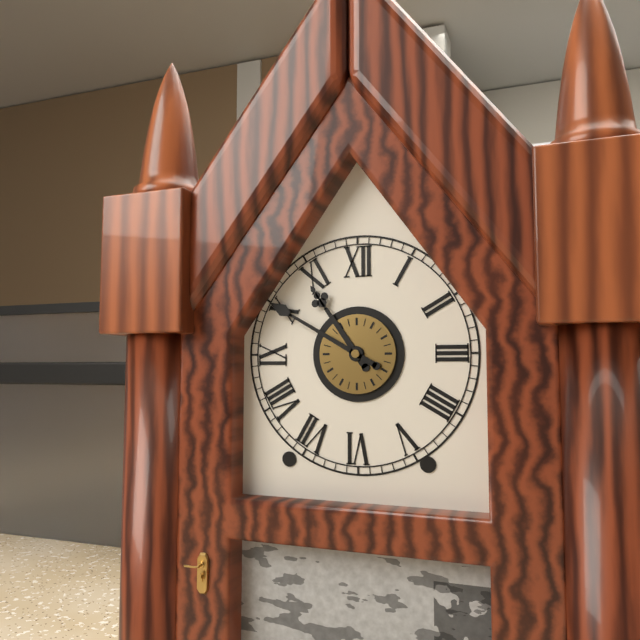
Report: 10:50
